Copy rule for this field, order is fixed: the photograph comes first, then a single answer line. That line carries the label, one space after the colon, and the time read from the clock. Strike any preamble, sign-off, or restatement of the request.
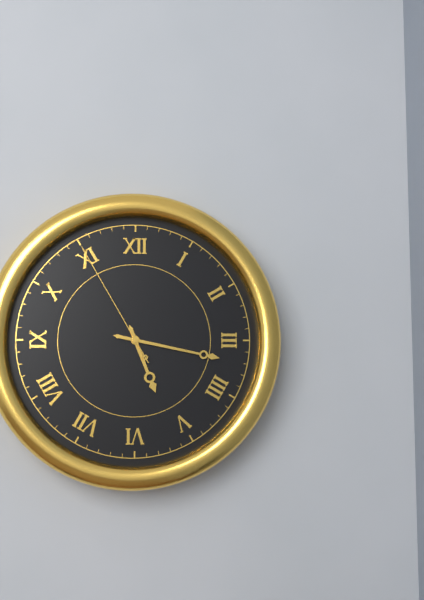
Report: 5:17:55
